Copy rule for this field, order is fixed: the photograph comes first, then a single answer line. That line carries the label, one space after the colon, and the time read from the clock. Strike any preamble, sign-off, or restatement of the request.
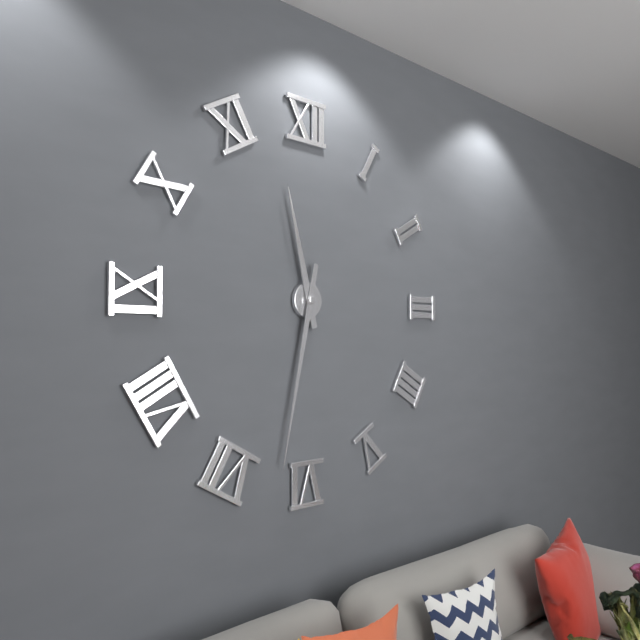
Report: 11:32
